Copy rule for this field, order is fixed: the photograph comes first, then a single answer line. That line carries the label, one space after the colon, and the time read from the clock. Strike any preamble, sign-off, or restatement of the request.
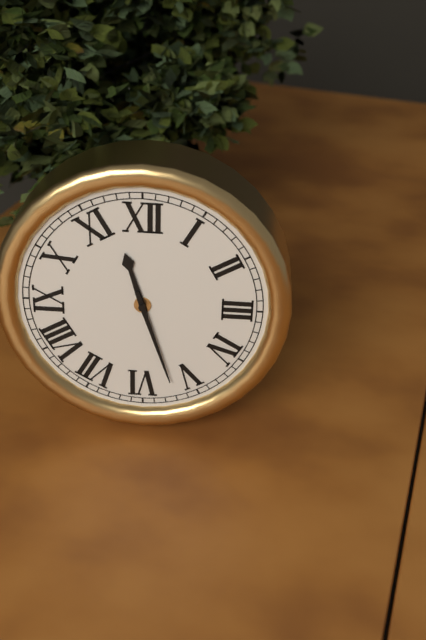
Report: 11:27
